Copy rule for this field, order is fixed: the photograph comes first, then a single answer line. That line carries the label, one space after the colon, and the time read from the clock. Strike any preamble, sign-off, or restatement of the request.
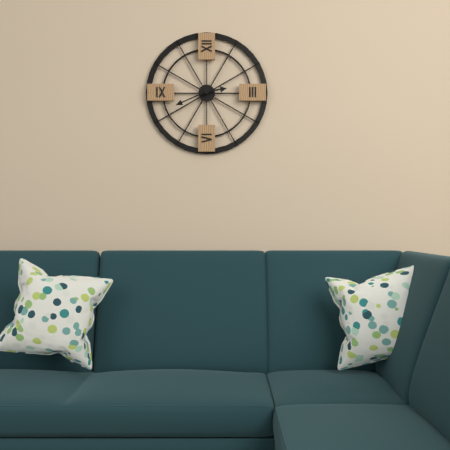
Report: 2:41
